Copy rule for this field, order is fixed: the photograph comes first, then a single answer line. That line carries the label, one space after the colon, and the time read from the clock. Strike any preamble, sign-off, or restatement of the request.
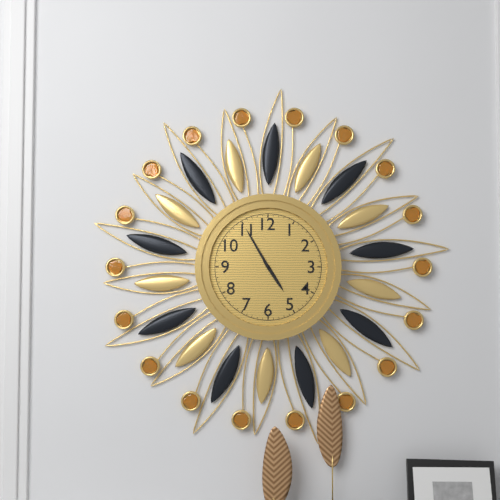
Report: 4:55
